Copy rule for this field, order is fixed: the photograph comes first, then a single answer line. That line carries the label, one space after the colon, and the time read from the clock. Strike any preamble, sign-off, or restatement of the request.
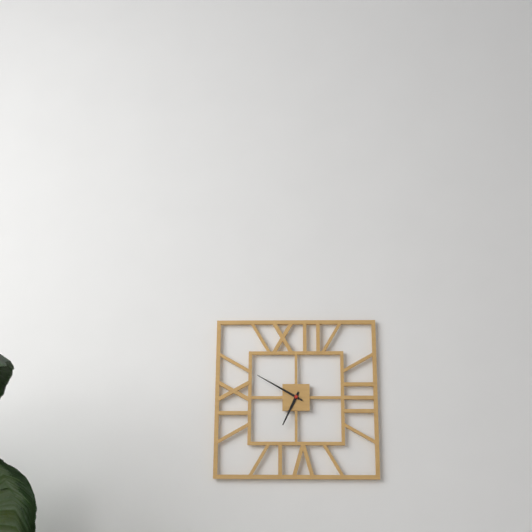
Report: 6:50
